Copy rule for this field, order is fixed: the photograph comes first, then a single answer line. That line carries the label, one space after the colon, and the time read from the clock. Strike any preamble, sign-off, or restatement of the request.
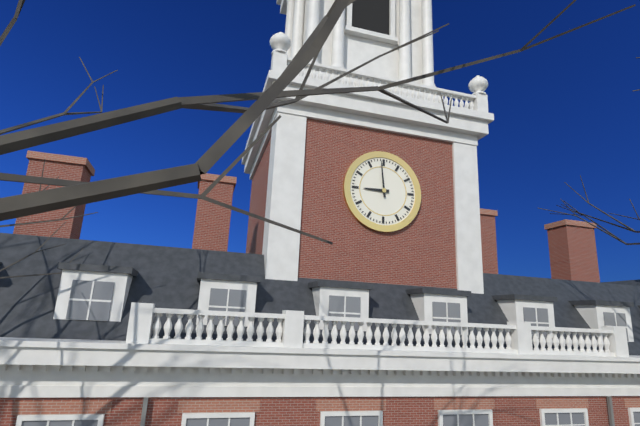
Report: 8:59
